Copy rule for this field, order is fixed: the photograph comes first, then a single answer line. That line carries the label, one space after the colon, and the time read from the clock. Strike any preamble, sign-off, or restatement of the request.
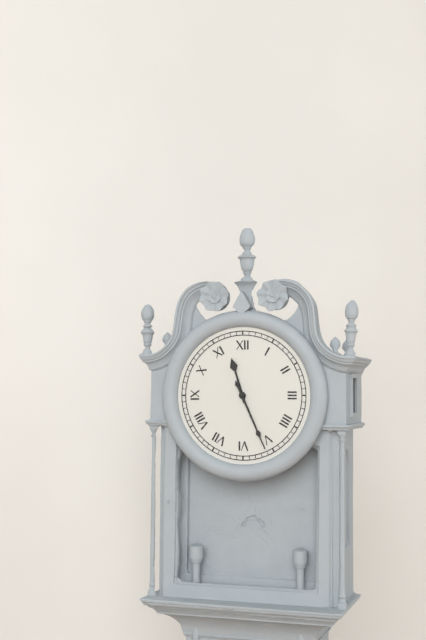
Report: 11:26
